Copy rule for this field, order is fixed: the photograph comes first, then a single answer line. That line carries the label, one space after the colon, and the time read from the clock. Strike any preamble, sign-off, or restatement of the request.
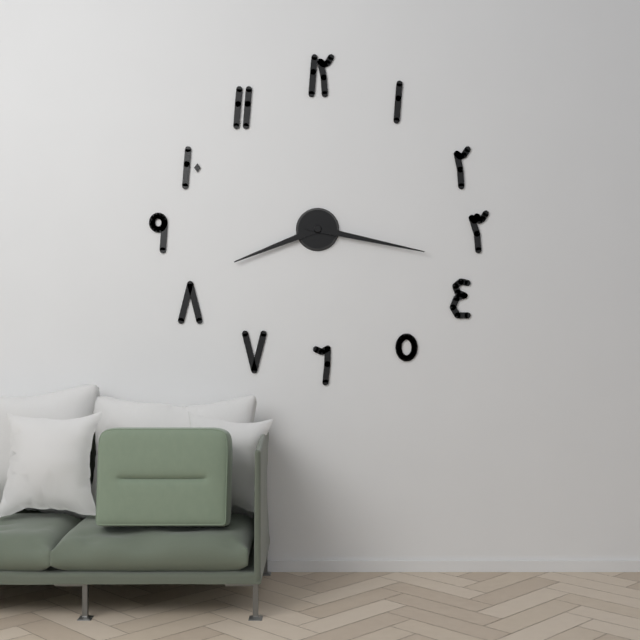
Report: 8:17
